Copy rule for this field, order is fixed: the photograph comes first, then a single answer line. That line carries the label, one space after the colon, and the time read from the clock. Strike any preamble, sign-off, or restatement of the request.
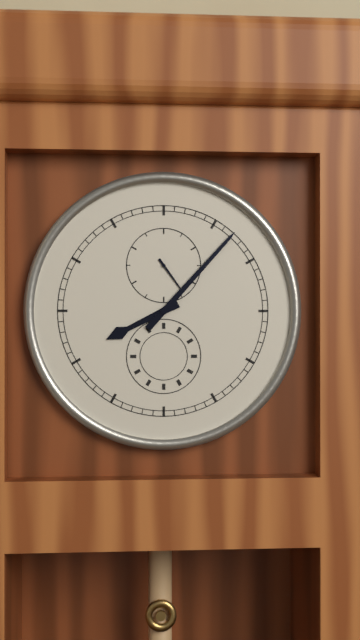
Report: 8:07
